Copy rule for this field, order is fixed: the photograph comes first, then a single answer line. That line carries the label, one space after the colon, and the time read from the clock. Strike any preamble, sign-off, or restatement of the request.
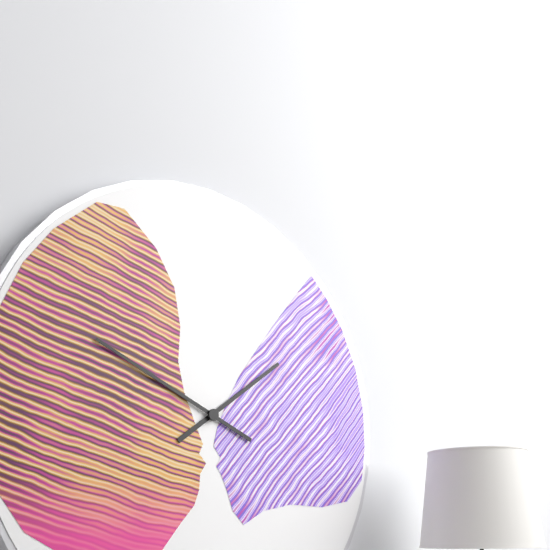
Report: 1:49
